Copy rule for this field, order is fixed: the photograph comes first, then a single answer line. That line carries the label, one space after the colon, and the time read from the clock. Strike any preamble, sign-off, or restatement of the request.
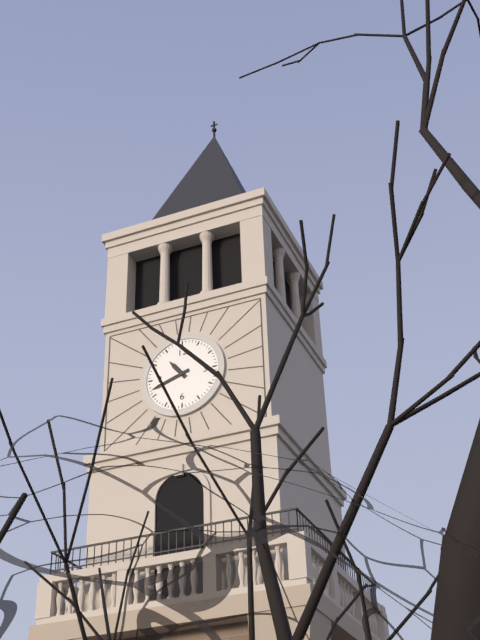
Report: 10:42
